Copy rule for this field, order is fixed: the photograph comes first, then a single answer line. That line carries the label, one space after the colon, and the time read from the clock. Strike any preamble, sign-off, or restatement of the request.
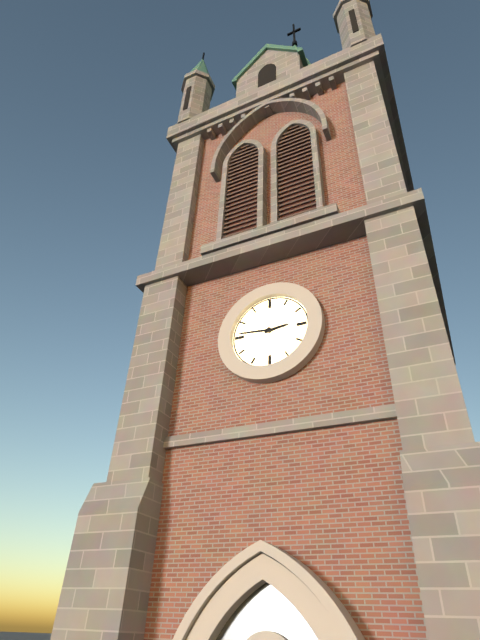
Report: 2:46
